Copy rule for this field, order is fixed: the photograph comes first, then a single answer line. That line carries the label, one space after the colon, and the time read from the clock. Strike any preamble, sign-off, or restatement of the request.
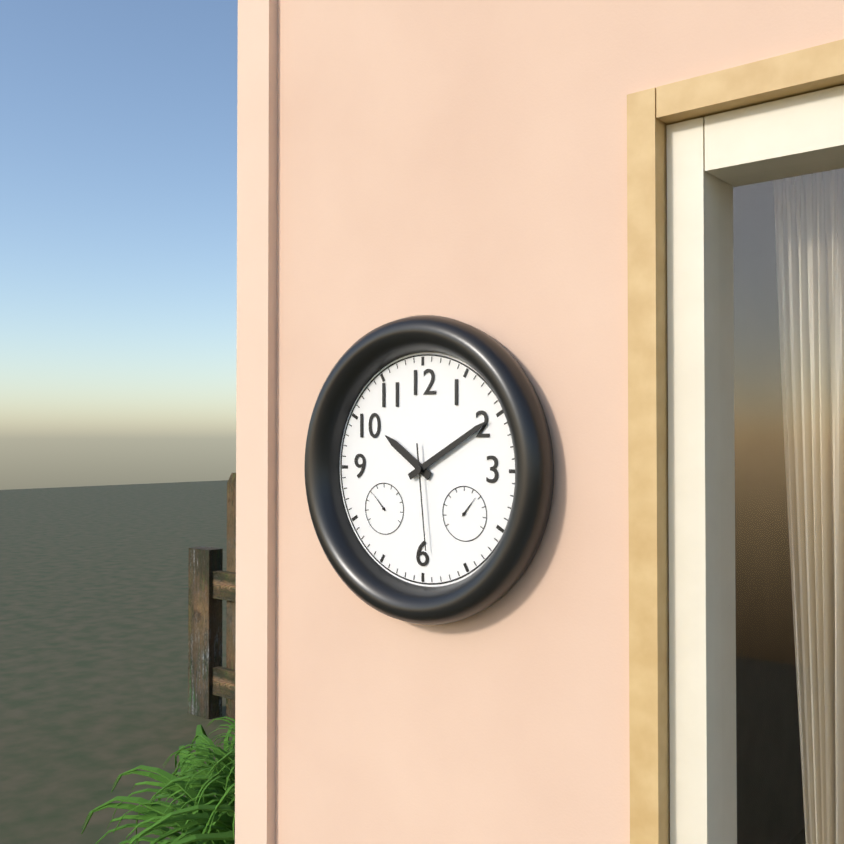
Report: 10:10:29
